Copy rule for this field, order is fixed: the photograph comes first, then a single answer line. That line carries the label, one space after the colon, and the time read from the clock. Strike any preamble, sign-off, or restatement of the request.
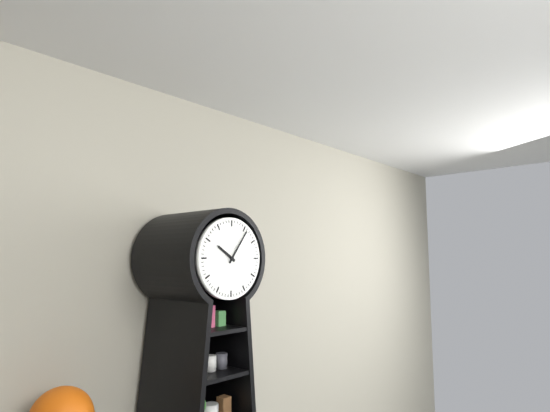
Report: 10:06
